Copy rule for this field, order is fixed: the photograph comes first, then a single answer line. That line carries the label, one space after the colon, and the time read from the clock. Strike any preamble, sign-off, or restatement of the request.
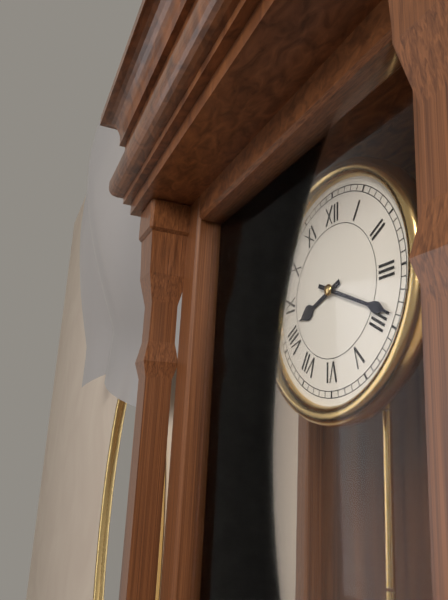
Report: 8:19
